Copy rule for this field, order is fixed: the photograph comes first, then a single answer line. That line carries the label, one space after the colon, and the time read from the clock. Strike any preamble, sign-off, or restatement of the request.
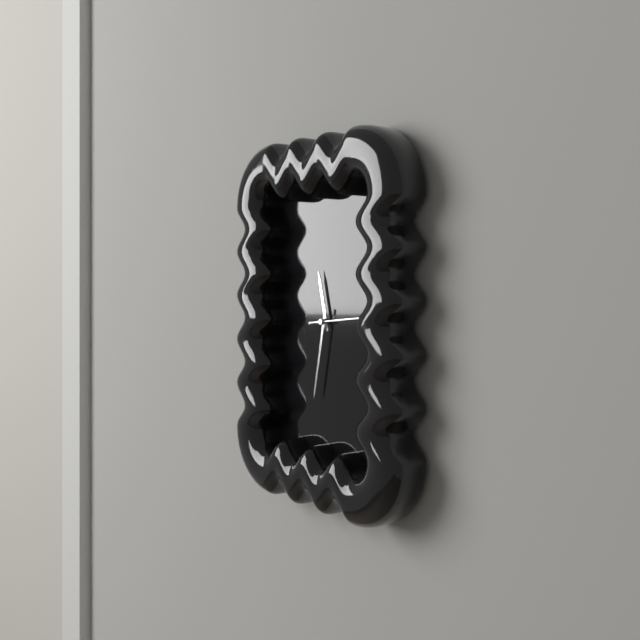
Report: 11:32
